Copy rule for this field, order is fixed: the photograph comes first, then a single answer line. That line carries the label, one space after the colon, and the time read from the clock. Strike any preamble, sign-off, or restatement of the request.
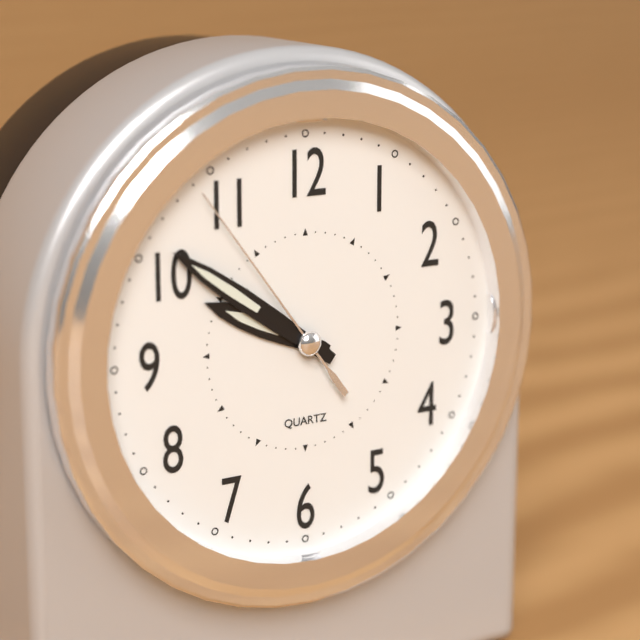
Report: 9:51:54
